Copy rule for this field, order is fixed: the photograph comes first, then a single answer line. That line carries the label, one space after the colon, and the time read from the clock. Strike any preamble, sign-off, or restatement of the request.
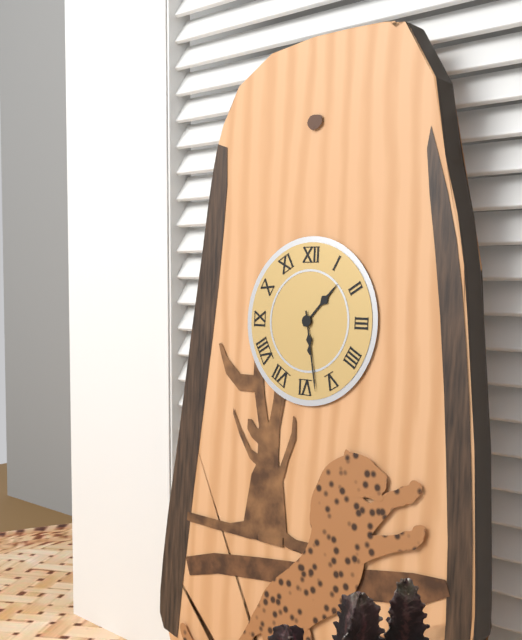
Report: 1:28
